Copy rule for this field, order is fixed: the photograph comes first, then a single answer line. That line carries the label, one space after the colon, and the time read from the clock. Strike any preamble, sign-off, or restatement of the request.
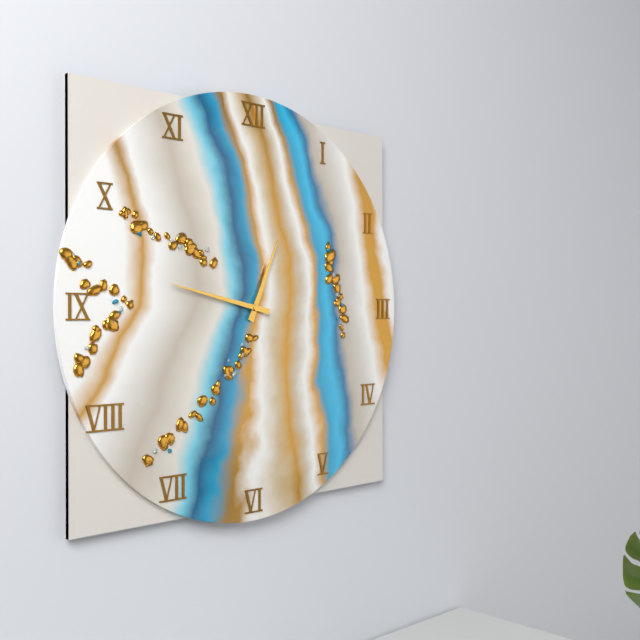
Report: 12:47
